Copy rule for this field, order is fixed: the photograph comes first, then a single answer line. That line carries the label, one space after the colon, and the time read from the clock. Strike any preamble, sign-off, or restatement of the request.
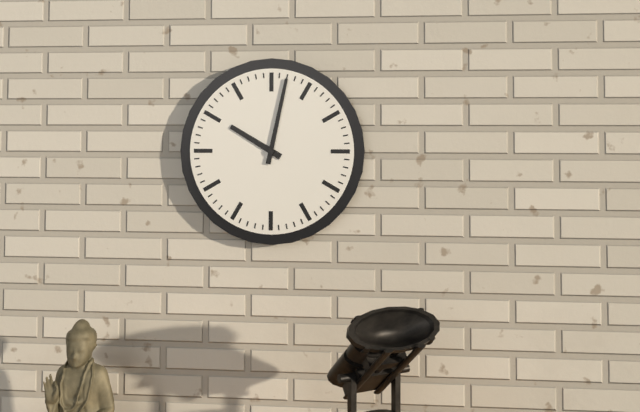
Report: 10:02
